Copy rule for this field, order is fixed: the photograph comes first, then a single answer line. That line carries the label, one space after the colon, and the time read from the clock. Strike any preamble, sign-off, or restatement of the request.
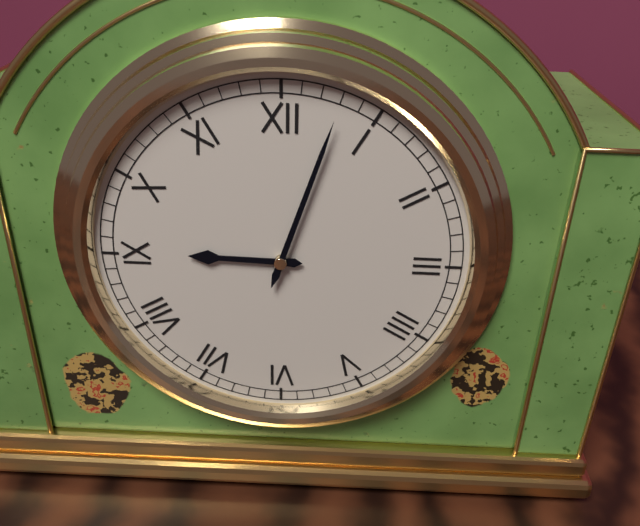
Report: 9:03
